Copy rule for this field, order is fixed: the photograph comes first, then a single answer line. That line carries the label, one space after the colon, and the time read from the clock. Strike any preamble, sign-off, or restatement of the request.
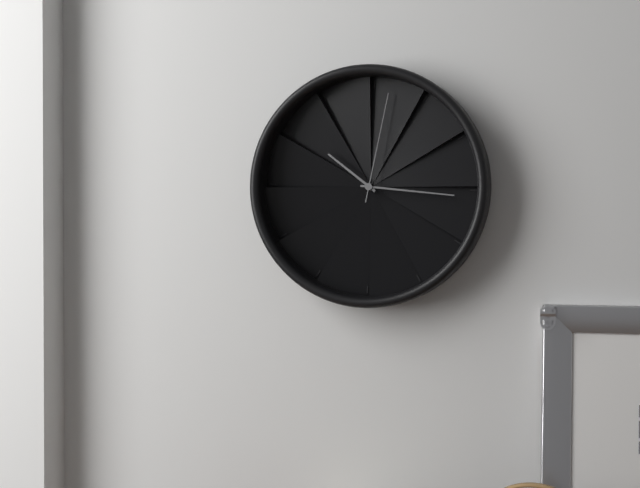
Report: 10:16:02
